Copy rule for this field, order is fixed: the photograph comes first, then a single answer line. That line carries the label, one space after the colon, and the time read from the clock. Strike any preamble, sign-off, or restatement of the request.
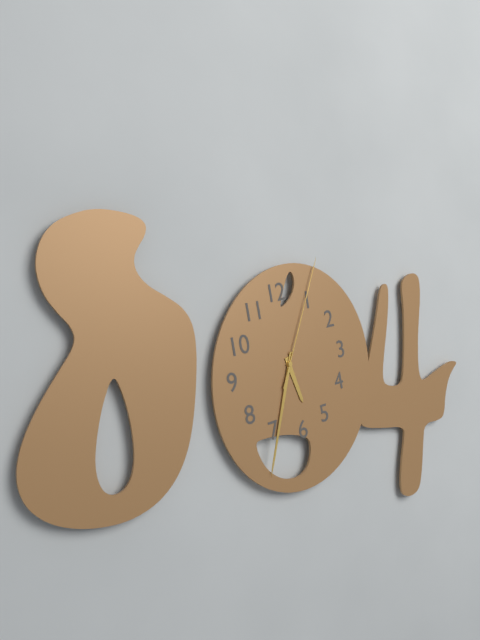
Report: 5:34:05
